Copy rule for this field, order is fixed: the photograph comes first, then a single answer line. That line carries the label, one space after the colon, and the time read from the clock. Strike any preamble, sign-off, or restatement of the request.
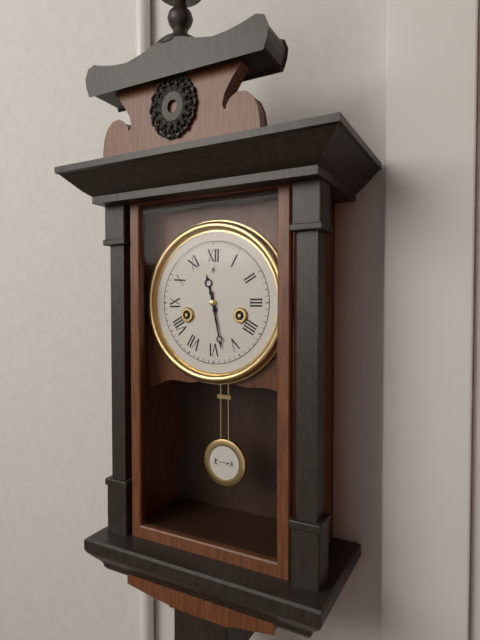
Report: 11:28
